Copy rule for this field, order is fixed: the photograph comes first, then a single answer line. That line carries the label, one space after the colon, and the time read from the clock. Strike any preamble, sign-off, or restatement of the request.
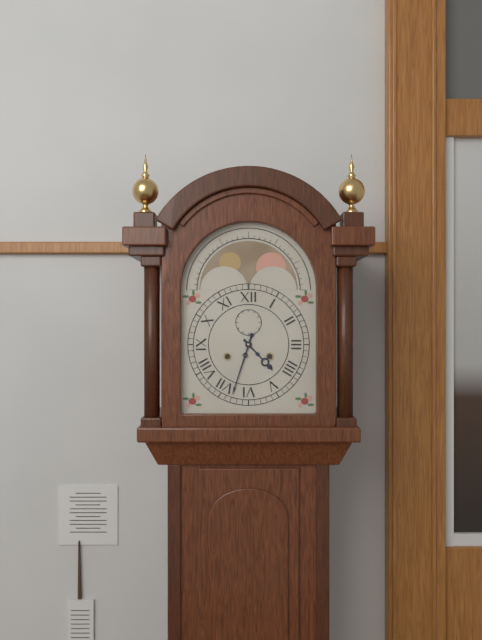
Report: 4:33
